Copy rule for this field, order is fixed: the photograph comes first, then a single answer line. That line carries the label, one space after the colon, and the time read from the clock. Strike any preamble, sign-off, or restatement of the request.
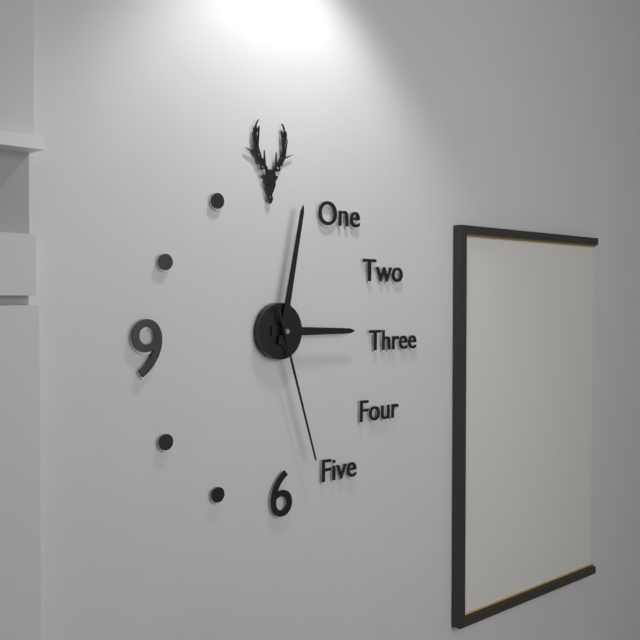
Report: 3:02:27
